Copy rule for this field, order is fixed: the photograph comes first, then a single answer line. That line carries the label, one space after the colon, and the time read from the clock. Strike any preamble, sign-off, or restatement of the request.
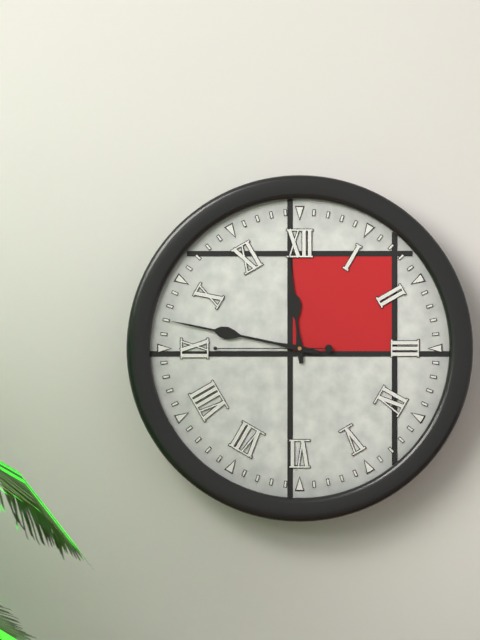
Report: 11:47:45
